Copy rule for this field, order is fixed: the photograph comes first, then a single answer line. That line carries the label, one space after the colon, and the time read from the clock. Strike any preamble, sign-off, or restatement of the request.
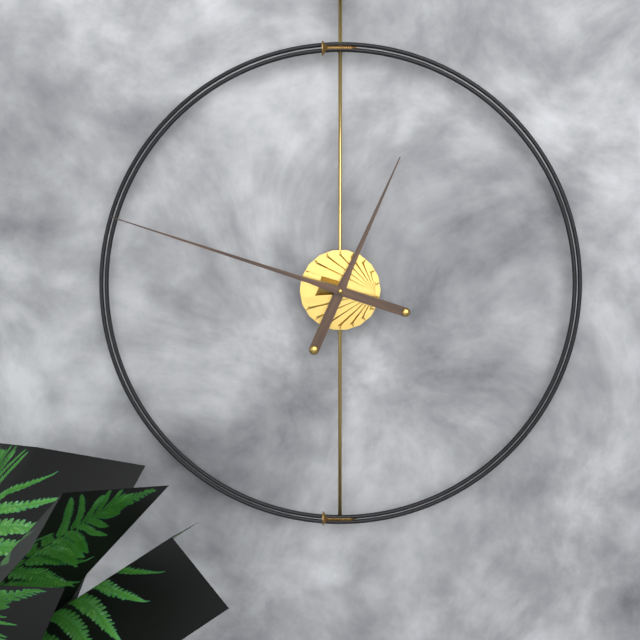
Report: 12:48
